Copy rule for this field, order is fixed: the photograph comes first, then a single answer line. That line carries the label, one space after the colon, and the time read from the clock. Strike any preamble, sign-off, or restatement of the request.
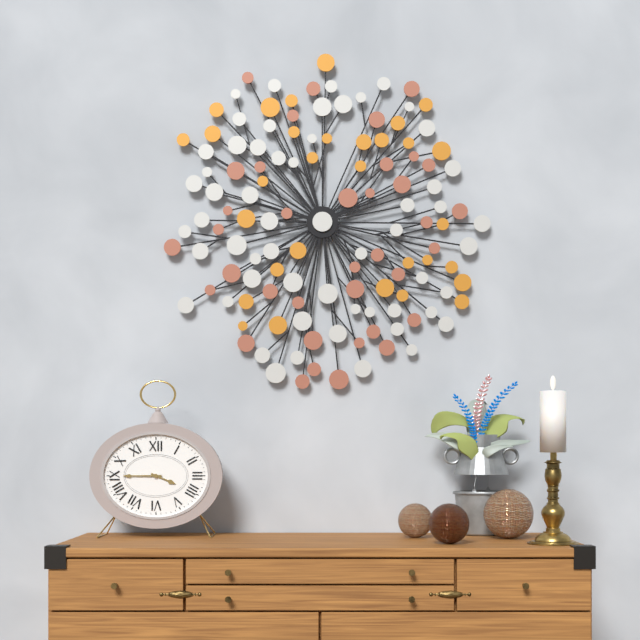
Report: 3:45
